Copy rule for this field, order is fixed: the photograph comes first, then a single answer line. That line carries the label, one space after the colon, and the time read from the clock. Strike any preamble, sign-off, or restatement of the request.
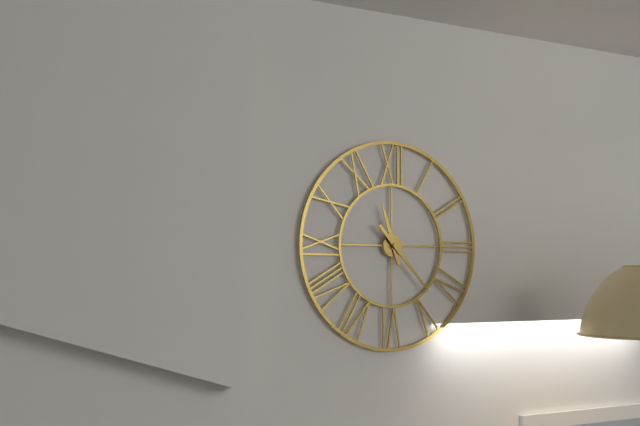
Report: 11:23
